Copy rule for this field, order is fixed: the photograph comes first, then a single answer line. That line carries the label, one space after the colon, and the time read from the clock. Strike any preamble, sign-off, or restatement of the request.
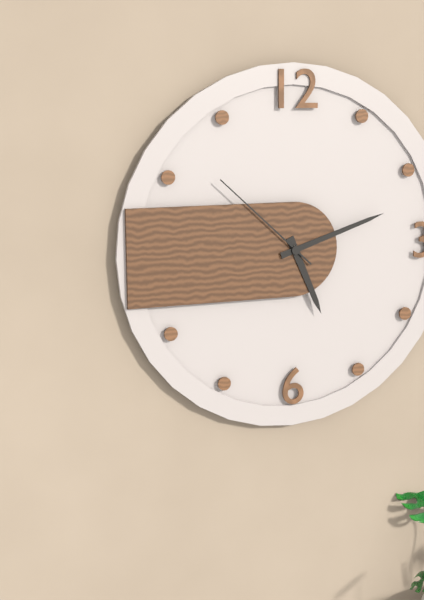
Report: 5:12:52
